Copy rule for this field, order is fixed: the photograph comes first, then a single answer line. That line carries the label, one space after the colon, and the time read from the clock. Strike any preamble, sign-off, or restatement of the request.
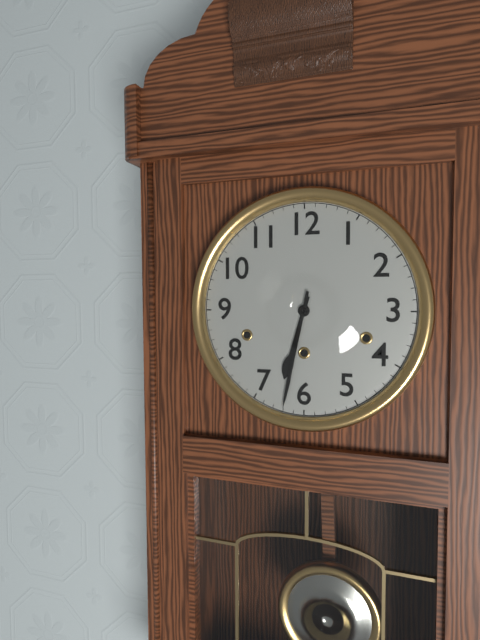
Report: 6:32
